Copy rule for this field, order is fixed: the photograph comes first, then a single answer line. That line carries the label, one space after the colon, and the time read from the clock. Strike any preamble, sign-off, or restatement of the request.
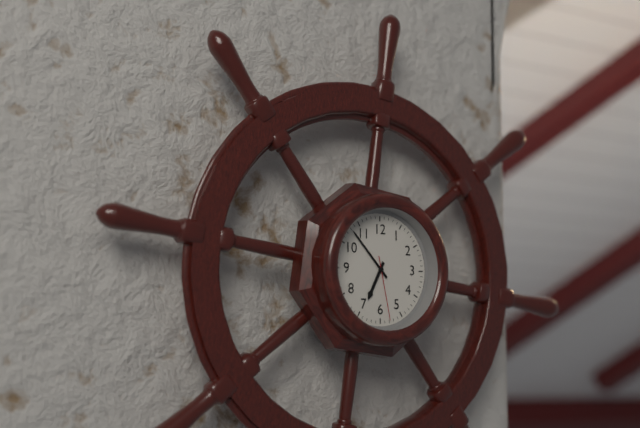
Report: 6:53:28
